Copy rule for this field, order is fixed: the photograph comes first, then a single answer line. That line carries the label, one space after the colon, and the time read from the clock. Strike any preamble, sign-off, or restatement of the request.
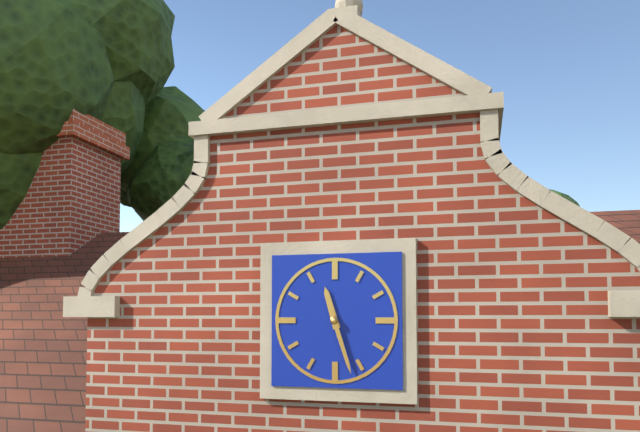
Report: 11:27
